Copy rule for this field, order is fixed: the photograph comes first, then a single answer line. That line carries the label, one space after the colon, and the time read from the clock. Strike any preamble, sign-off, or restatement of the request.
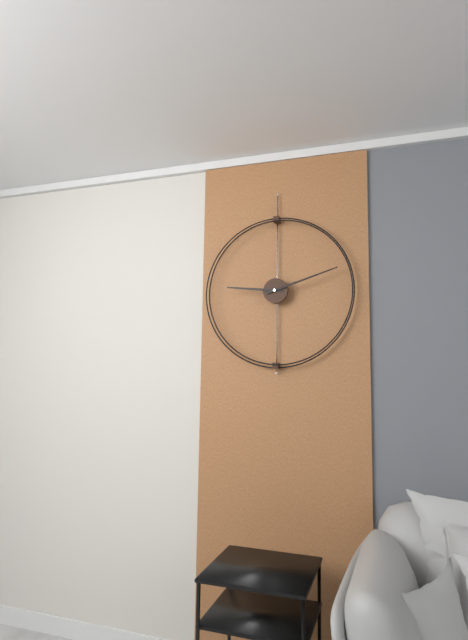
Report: 9:12
